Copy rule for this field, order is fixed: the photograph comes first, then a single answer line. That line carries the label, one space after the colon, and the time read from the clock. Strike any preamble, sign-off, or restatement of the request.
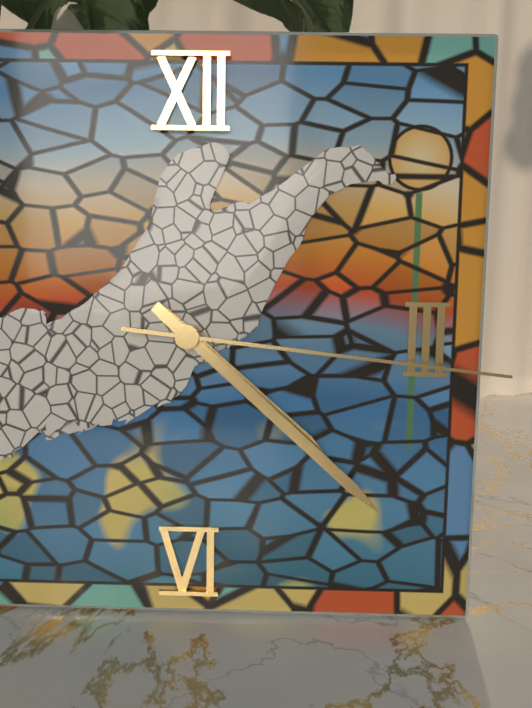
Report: 4:22:16
